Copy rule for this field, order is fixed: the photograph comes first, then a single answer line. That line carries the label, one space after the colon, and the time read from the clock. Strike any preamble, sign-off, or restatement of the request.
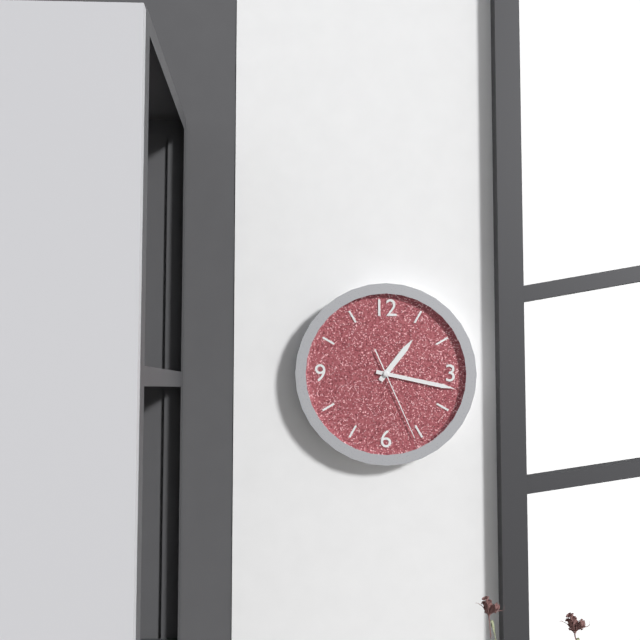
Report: 1:17:26
